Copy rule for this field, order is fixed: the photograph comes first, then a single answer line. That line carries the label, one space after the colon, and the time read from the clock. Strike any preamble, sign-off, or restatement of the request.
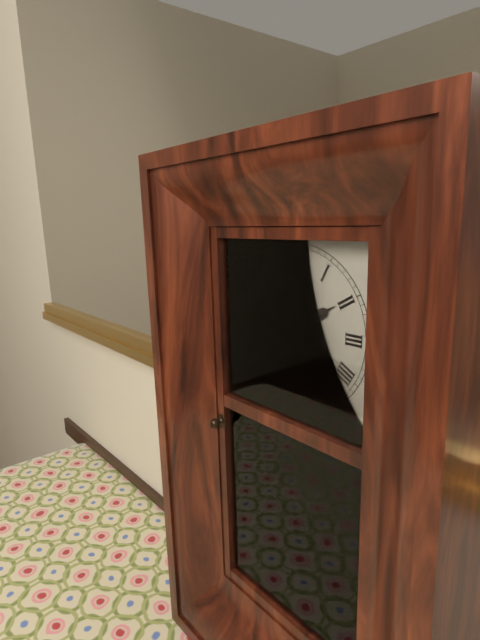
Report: 1:56
